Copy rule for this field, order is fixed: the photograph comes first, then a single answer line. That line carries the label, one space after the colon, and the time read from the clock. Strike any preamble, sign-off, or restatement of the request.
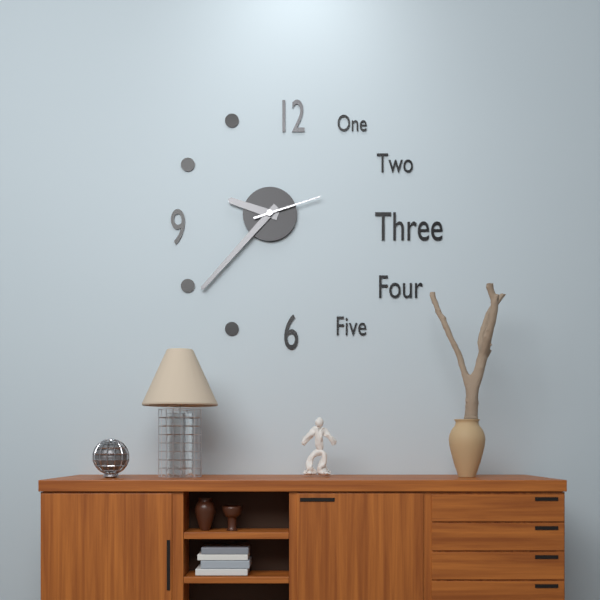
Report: 9:37:12
